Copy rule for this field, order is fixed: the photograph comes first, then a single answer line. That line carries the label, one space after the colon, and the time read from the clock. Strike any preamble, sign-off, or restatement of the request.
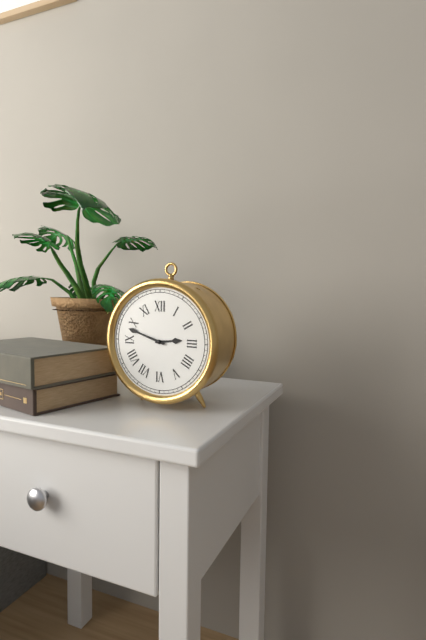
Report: 2:48
